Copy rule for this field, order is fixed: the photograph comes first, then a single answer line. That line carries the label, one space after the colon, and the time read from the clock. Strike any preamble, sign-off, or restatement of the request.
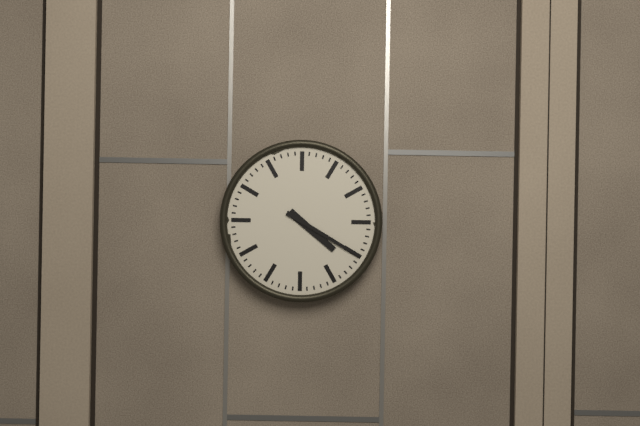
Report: 4:20
